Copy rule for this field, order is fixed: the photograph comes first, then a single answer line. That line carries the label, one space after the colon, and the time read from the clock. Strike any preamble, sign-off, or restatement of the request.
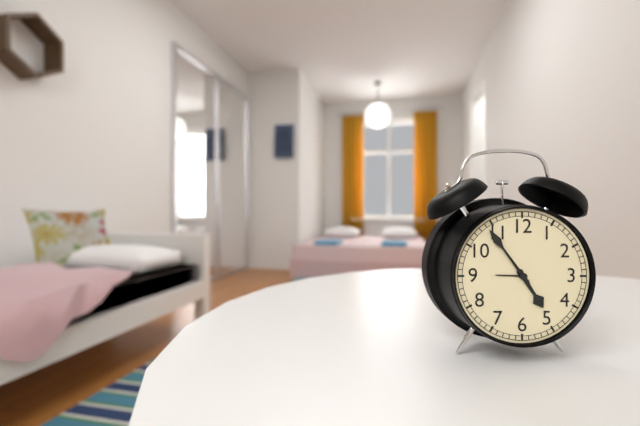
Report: 4:54
